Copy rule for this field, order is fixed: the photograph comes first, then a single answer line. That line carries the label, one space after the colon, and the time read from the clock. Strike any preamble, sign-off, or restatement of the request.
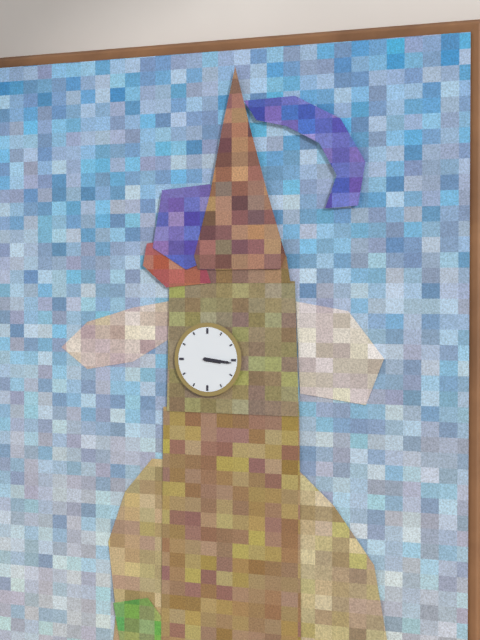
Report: 3:16
